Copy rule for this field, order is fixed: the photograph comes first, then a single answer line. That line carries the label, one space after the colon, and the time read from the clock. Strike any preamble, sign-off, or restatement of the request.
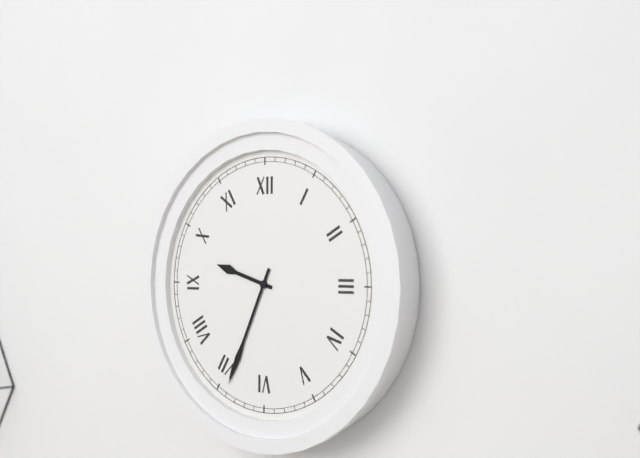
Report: 9:34
